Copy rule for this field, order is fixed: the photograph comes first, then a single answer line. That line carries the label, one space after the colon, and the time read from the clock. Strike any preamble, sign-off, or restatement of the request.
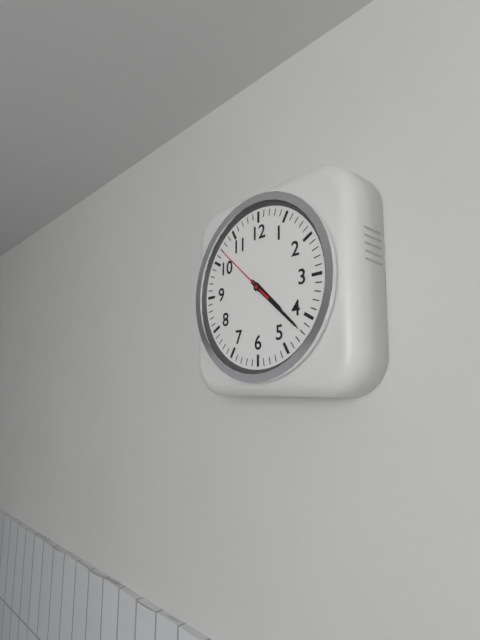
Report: 4:22:52
